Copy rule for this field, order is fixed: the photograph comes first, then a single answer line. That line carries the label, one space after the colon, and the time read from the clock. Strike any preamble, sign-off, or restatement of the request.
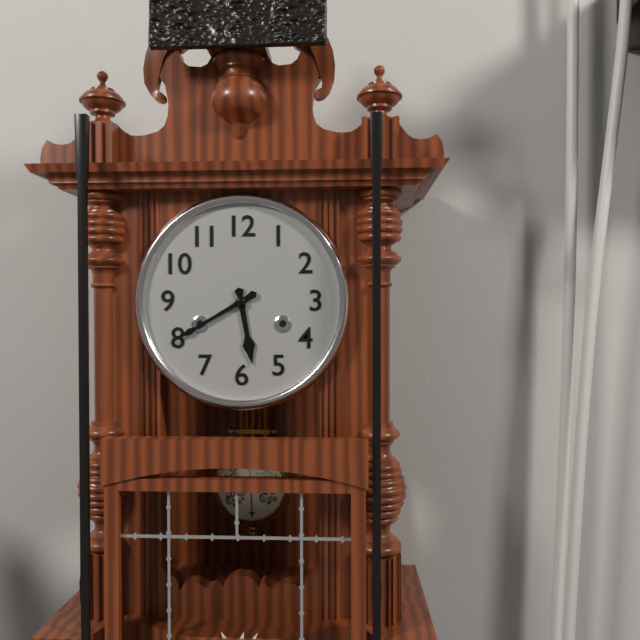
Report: 5:40
